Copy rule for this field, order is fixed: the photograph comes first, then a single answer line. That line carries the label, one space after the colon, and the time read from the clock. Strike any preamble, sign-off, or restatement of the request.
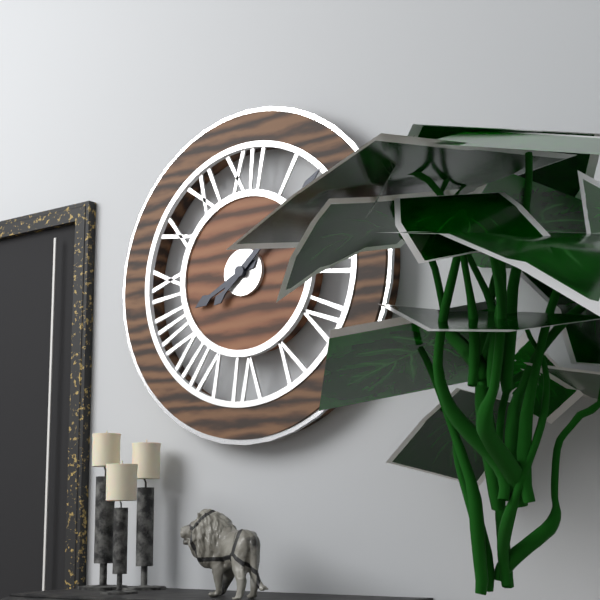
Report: 8:08
